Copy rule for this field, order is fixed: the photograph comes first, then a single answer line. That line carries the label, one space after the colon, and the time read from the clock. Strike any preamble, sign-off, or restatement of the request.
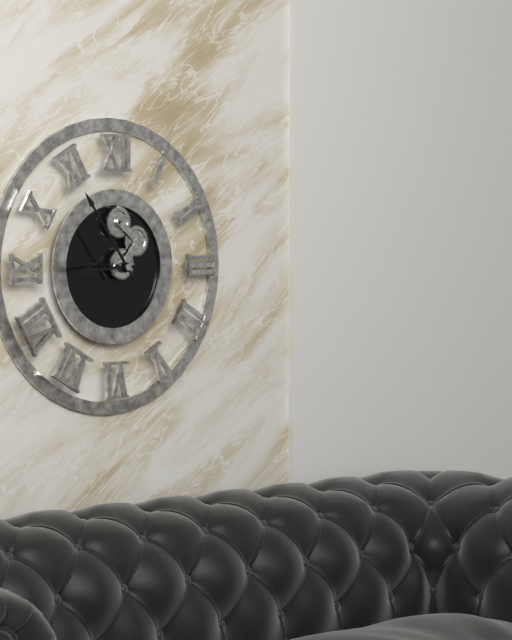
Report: 8:54
